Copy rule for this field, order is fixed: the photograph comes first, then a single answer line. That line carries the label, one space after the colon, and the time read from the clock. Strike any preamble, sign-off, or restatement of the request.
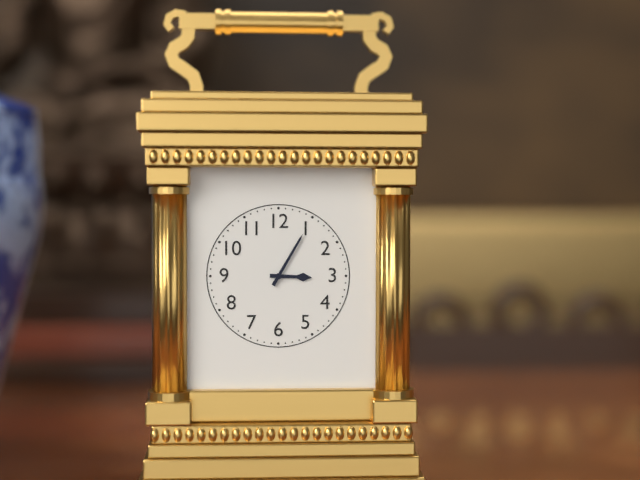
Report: 3:05
